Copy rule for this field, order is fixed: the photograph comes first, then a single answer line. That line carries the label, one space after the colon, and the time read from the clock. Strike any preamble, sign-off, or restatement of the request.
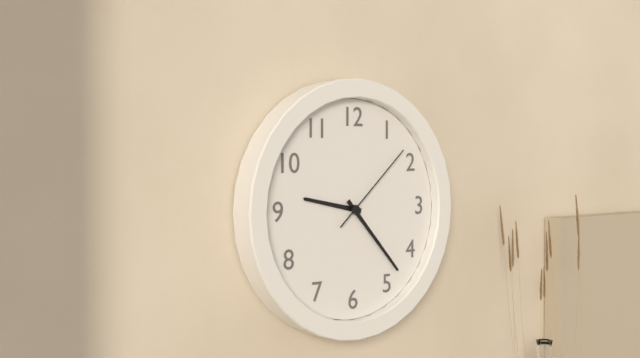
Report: 9:23:08
